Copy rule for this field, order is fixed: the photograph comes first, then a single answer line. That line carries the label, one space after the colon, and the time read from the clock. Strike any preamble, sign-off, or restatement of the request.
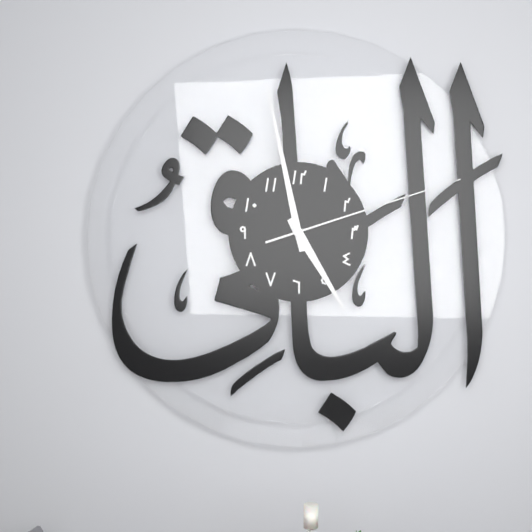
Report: 4:58:12
